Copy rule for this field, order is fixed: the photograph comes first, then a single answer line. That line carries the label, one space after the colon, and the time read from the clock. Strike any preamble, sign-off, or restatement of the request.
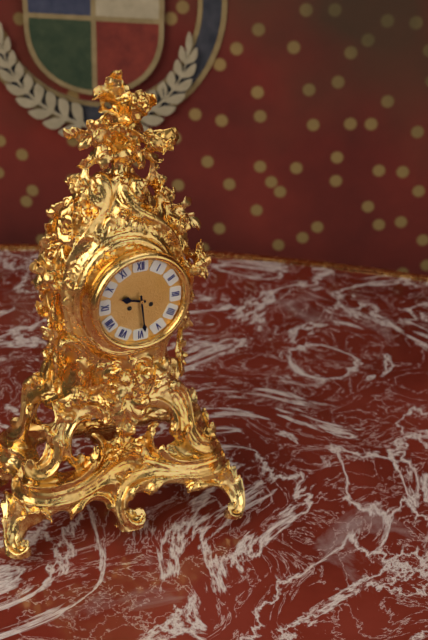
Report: 9:29
